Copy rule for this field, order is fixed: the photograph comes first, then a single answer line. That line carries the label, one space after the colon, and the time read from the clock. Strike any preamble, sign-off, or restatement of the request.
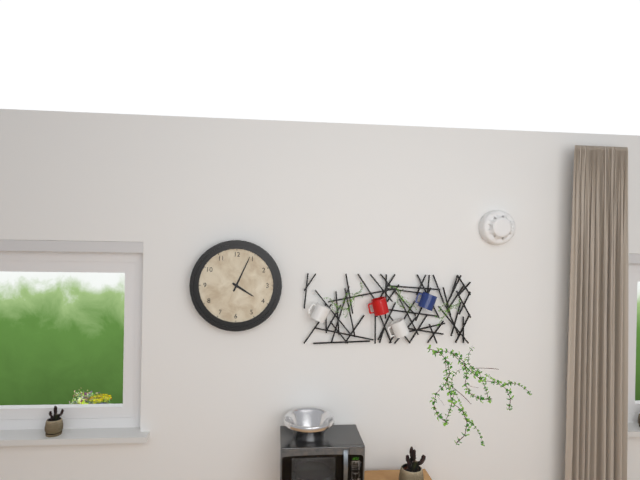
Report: 4:04
